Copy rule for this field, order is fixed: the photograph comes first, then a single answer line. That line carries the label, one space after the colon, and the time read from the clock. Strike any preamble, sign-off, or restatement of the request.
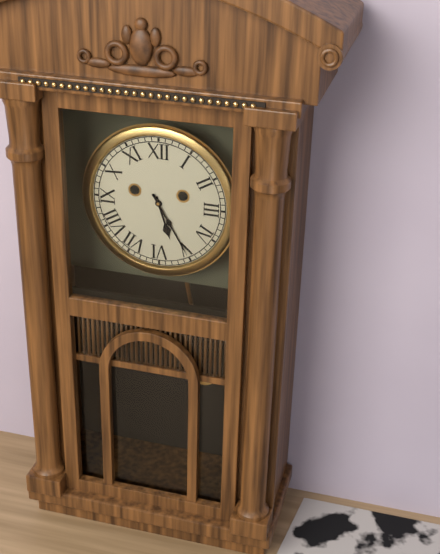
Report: 5:25
